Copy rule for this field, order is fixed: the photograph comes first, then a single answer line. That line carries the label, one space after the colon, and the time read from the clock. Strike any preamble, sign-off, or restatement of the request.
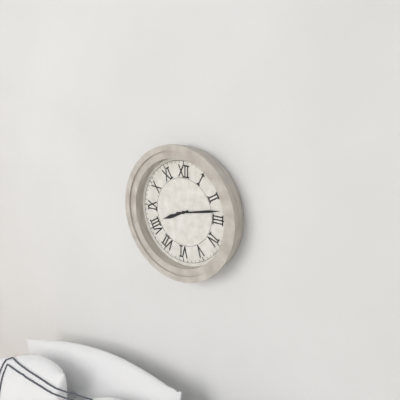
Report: 8:13
